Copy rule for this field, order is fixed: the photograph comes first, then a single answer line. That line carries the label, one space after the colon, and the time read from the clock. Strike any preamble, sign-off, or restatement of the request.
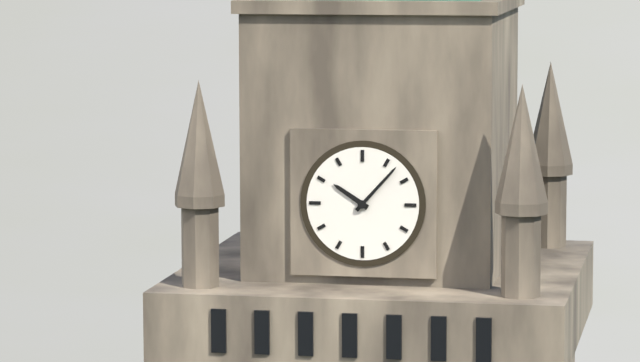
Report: 10:07
